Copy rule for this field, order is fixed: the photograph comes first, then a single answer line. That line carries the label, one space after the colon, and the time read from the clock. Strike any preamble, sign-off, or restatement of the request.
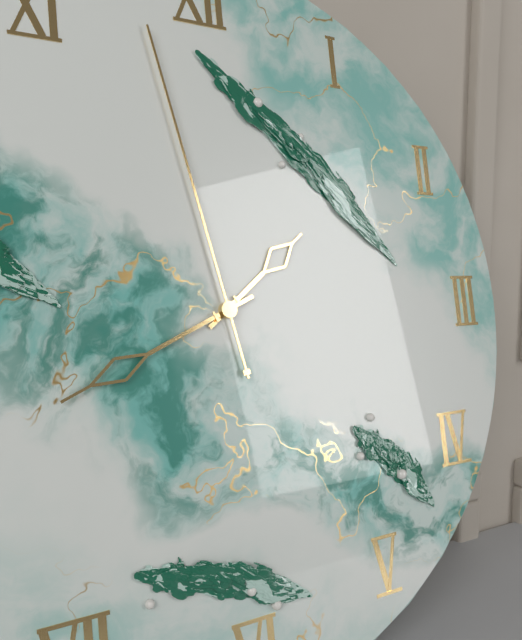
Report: 1:41:58
